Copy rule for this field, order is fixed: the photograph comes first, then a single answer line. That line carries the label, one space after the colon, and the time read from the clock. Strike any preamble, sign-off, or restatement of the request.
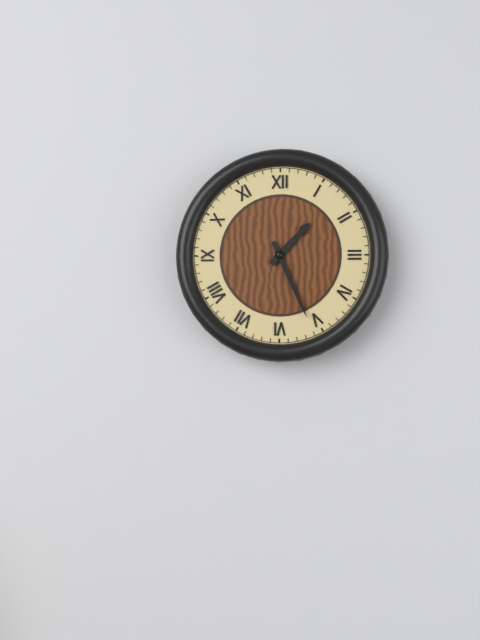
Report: 1:26
